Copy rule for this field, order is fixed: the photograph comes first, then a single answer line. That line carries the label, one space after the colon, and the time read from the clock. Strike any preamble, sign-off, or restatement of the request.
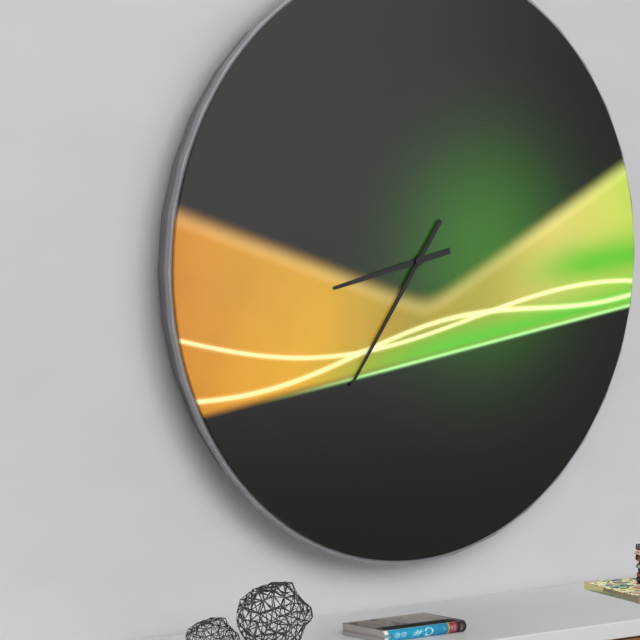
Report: 8:36
